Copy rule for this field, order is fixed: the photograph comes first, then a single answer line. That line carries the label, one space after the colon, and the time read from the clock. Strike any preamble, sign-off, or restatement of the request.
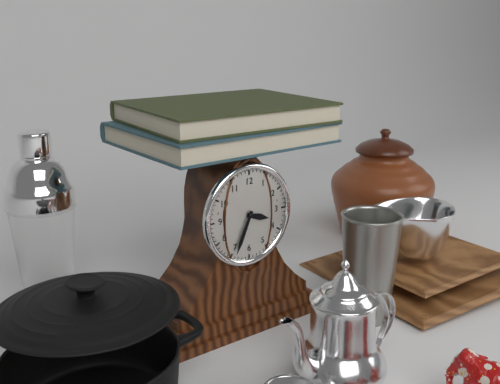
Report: 3:34
